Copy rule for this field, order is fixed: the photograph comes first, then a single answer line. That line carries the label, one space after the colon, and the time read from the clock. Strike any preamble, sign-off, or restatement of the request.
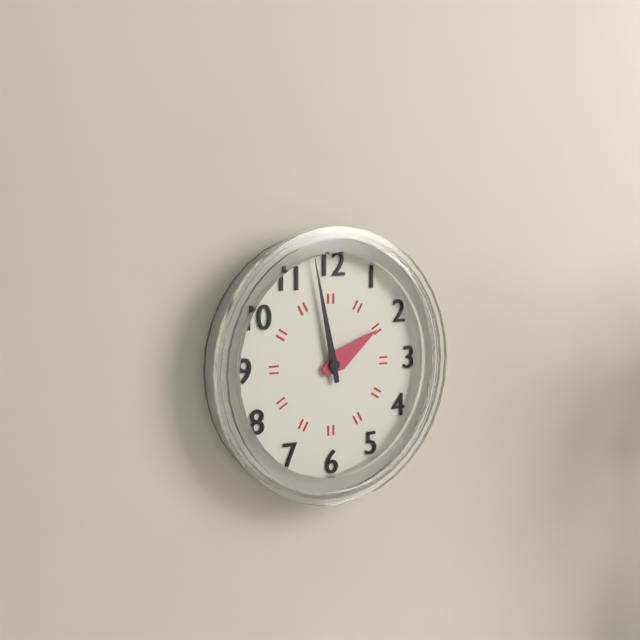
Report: 1:58
